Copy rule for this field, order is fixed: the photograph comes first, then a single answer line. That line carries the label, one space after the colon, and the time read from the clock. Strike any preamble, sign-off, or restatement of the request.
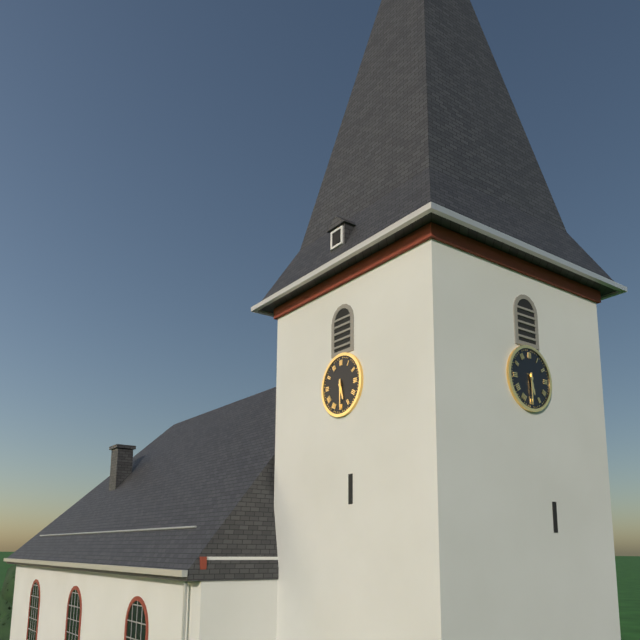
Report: 5:30
